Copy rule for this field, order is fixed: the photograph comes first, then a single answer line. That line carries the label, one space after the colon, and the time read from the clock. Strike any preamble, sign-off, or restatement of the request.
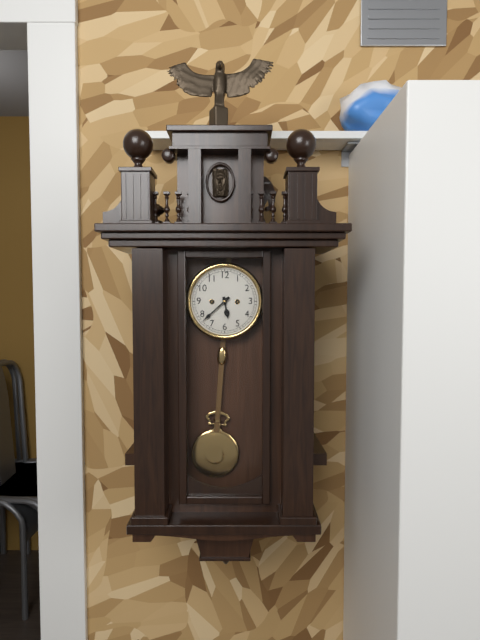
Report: 5:38
